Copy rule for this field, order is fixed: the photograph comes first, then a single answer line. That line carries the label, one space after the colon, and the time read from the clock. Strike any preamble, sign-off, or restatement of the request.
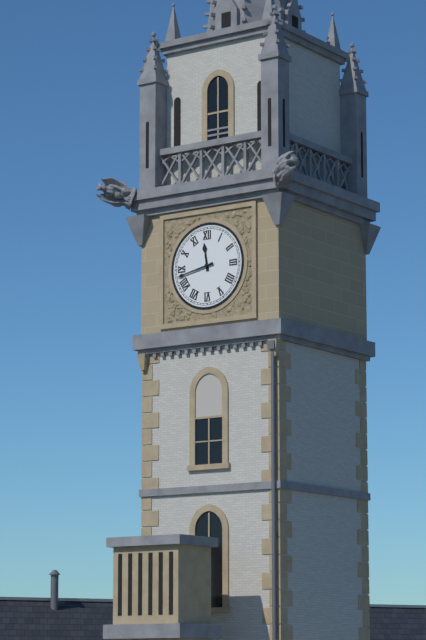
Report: 11:43
